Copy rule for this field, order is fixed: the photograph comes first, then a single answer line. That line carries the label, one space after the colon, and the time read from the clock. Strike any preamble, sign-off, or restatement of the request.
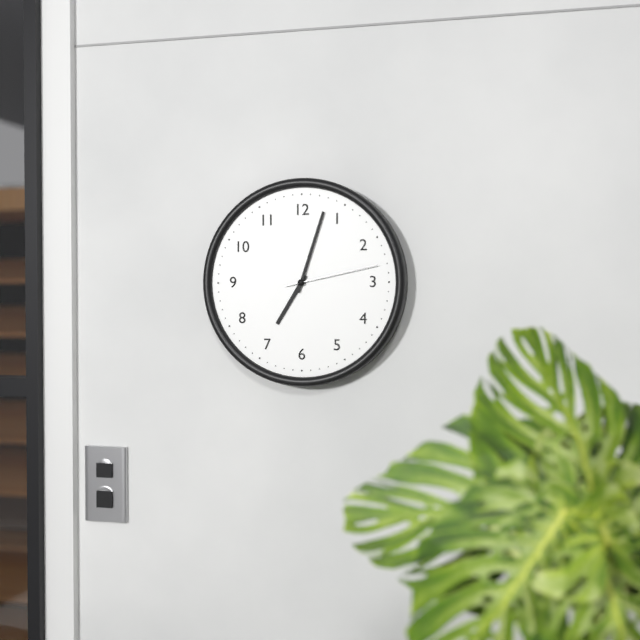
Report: 7:03:13
